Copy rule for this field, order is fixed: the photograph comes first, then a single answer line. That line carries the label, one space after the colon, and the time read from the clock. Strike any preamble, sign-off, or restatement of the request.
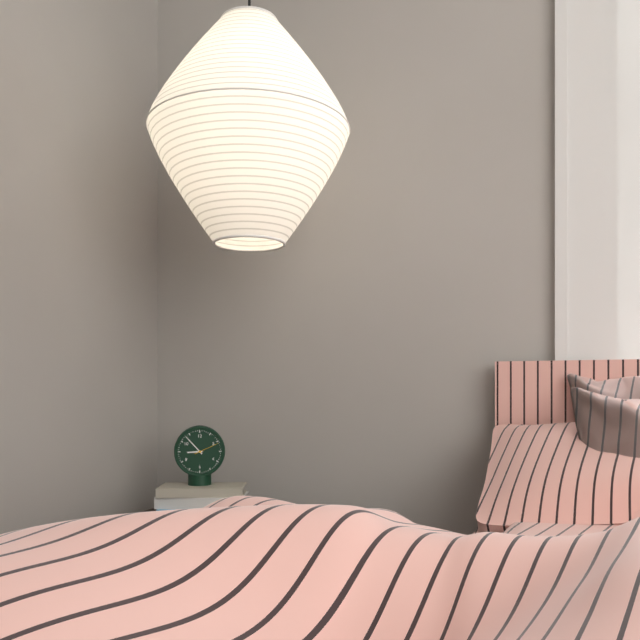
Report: 8:53
